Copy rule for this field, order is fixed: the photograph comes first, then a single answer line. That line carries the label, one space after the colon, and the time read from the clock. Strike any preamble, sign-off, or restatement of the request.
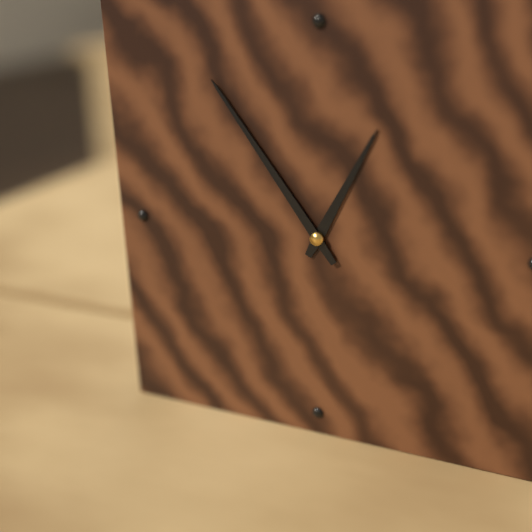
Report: 12:54
